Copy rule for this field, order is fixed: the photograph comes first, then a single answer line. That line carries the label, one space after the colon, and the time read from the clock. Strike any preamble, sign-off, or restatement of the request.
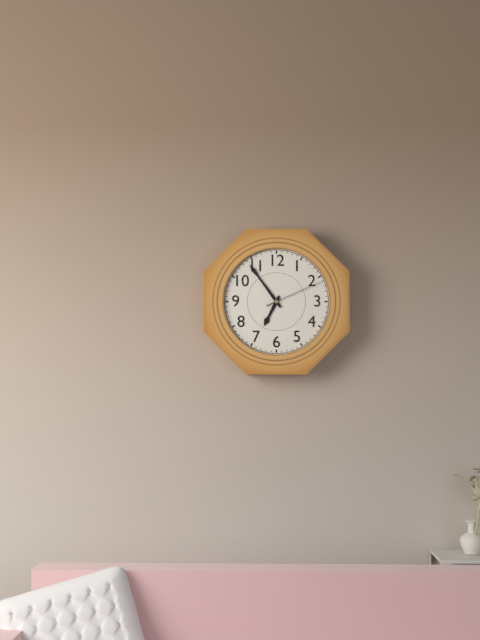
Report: 6:54:11
